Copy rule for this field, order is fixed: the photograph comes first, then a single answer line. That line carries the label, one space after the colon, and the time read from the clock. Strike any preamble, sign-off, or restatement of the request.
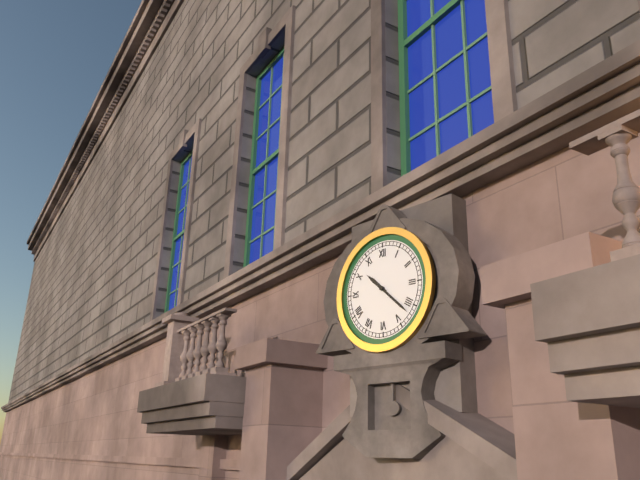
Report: 10:22
